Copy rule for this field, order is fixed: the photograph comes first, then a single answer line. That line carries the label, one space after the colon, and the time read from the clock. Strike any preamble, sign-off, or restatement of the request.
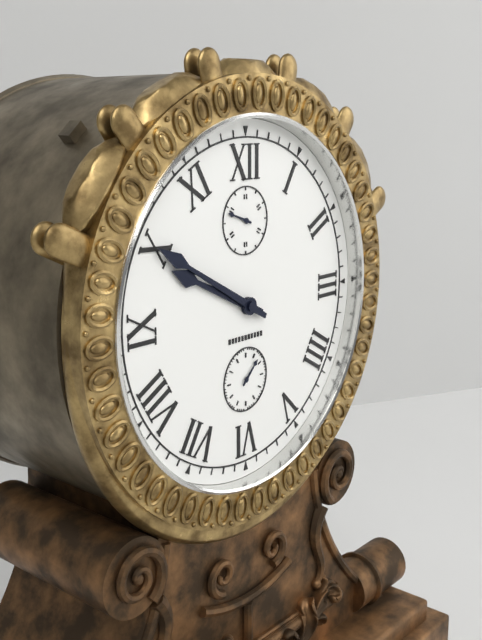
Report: 9:50
